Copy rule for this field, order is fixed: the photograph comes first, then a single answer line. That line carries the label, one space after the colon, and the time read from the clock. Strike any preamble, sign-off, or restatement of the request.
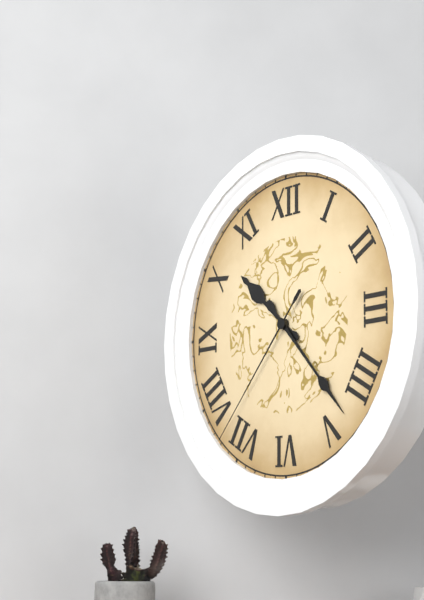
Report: 10:23:37
